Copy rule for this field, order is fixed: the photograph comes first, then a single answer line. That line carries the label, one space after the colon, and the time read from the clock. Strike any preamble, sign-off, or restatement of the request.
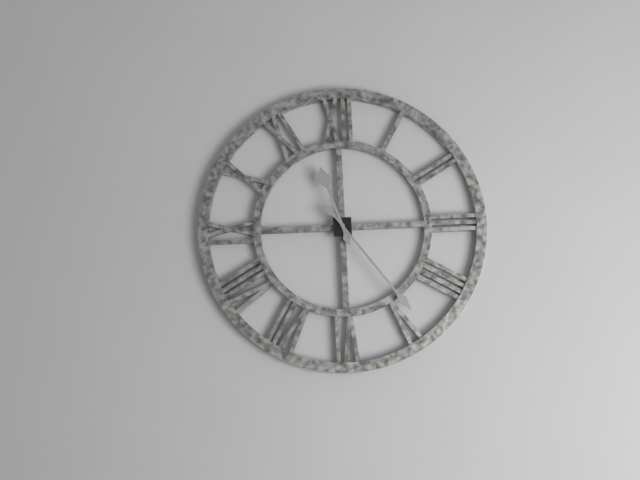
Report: 11:24
